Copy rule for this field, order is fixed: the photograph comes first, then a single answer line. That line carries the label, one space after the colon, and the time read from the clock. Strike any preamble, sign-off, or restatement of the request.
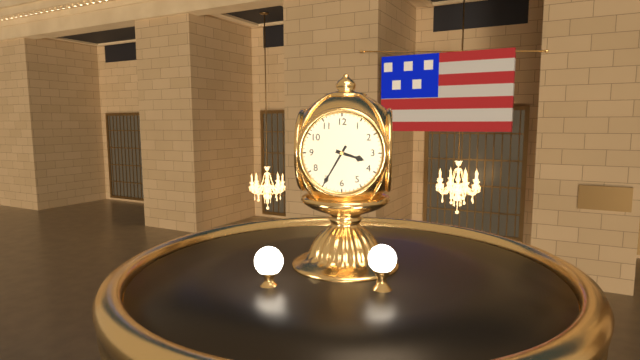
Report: 3:35
